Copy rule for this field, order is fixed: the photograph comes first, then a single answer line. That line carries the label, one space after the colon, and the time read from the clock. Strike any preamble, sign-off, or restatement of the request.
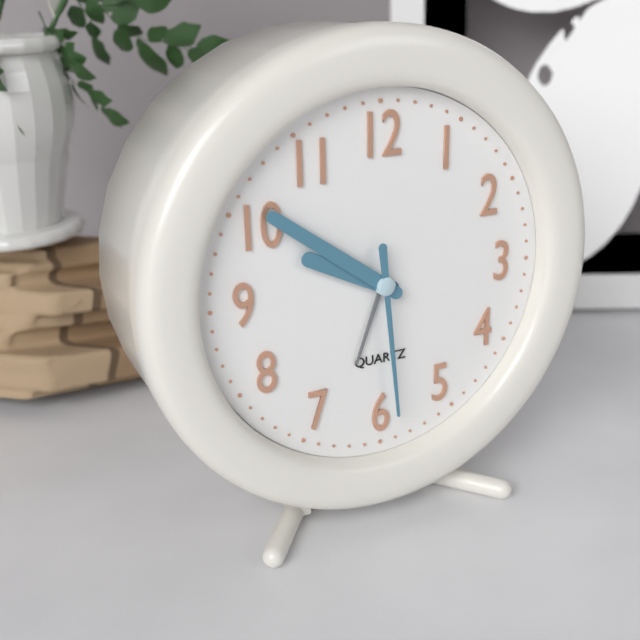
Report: 9:51:29
